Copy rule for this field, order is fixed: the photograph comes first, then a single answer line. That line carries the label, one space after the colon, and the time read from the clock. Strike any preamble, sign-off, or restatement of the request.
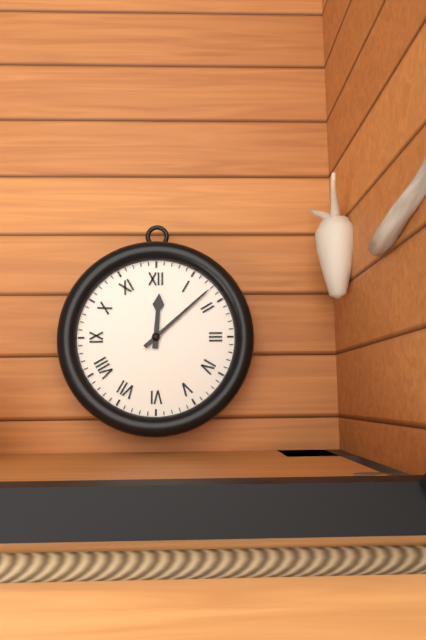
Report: 12:08
